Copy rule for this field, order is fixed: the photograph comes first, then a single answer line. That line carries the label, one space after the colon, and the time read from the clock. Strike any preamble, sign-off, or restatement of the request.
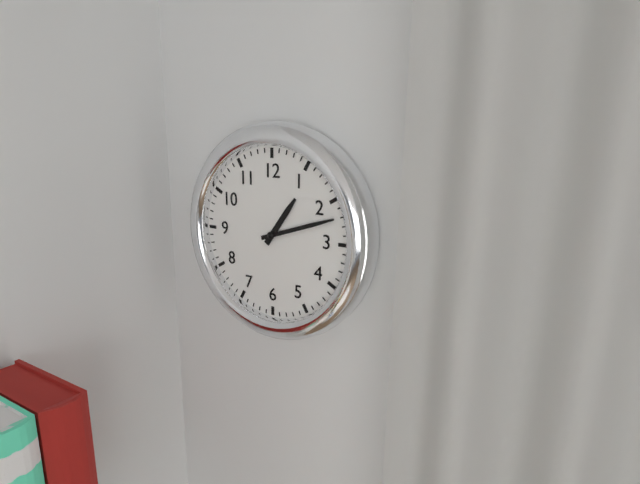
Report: 1:12
